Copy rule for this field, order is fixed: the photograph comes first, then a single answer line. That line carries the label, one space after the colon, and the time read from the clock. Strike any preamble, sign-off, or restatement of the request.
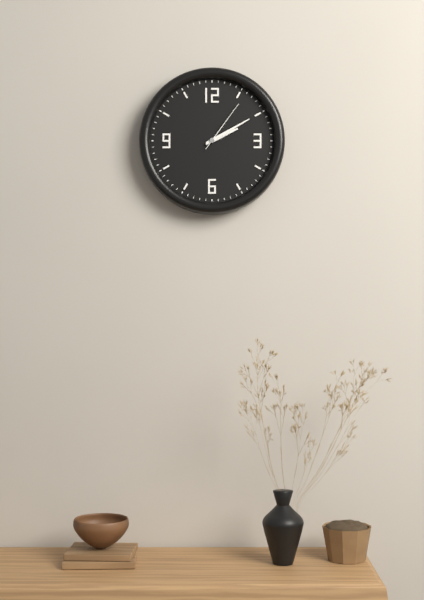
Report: 2:10:06
